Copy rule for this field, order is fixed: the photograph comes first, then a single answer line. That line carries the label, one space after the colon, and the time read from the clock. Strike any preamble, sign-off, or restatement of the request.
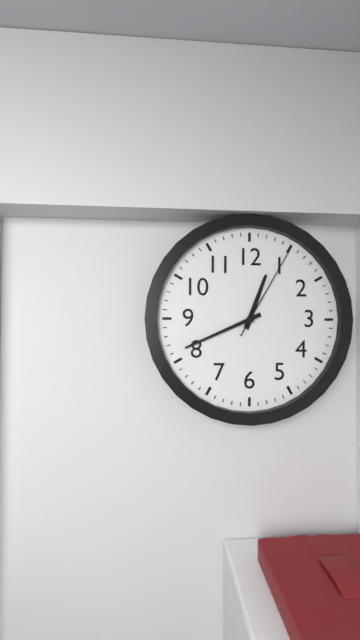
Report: 12:41:05
